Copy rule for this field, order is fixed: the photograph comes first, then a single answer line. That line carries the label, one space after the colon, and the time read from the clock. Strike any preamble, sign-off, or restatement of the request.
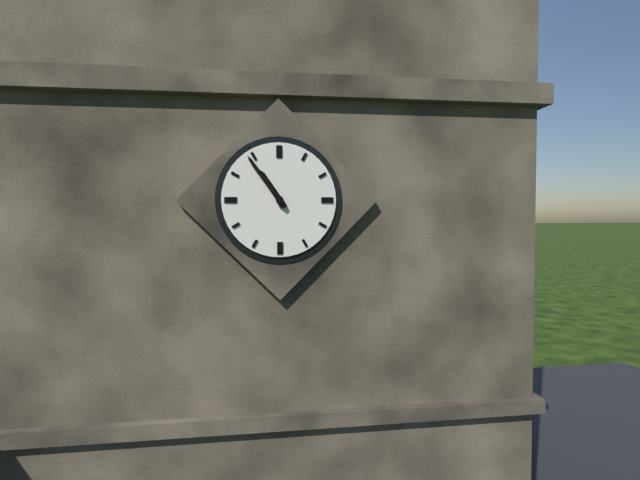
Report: 10:54
